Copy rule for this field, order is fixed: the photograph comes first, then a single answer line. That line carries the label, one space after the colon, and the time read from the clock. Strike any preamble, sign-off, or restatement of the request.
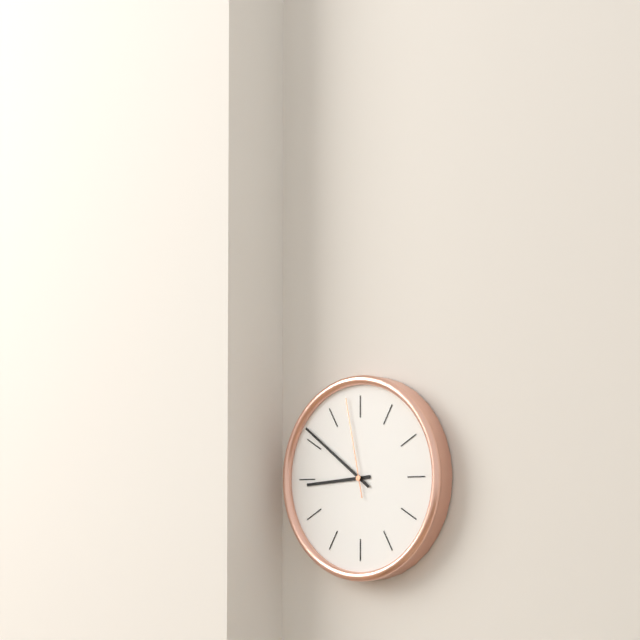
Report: 8:51:58
